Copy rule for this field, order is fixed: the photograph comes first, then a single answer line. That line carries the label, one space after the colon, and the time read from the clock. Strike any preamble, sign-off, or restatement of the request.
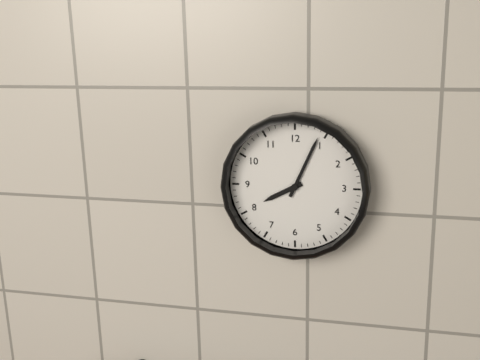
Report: 8:04
